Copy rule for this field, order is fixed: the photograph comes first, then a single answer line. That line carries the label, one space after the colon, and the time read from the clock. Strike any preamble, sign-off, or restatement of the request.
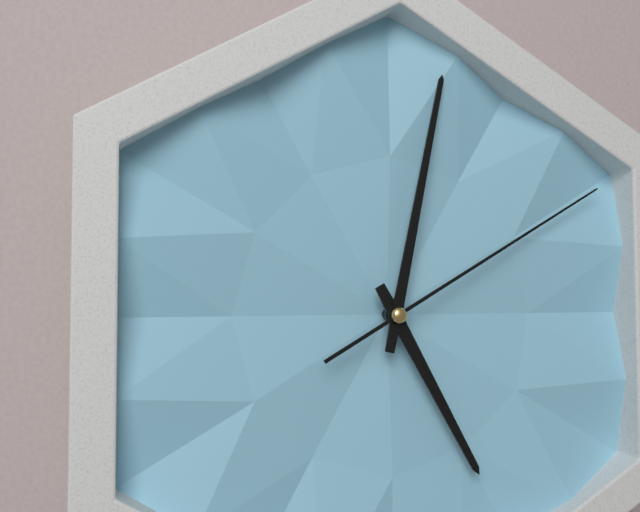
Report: 5:02:10
